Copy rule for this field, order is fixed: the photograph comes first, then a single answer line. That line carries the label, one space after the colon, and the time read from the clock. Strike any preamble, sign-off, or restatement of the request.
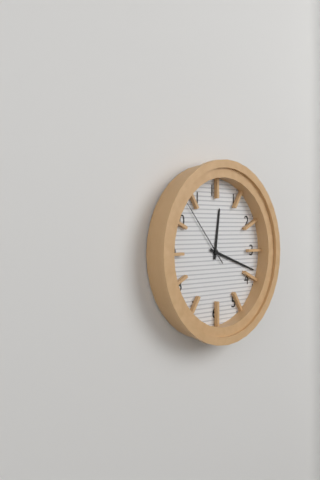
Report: 12:18:53
